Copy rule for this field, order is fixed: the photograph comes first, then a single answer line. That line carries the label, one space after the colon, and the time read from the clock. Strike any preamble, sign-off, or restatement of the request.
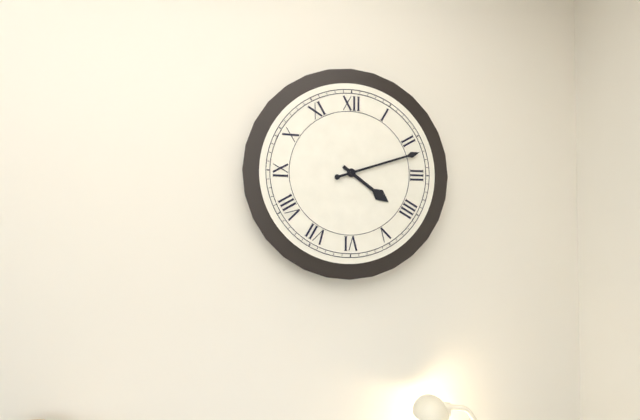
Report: 4:12
